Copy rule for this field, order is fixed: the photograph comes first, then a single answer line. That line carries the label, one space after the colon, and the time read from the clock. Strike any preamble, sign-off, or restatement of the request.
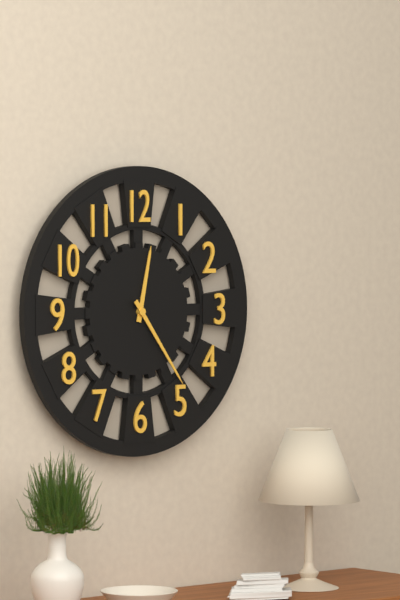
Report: 12:24
